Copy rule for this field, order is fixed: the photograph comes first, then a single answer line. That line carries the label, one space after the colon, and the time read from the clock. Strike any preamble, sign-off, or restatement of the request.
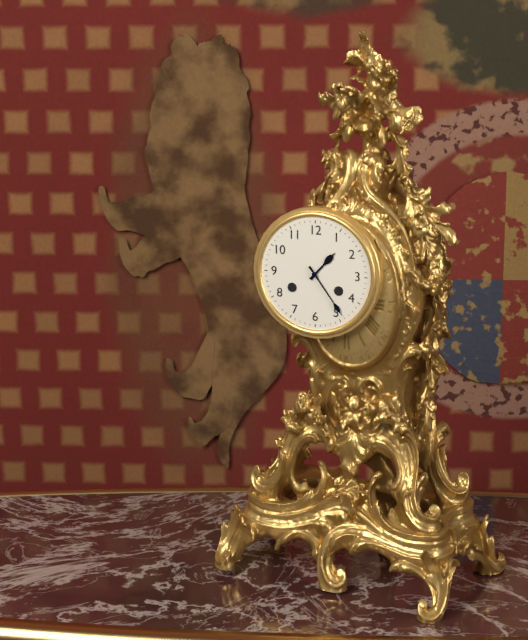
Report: 1:24
